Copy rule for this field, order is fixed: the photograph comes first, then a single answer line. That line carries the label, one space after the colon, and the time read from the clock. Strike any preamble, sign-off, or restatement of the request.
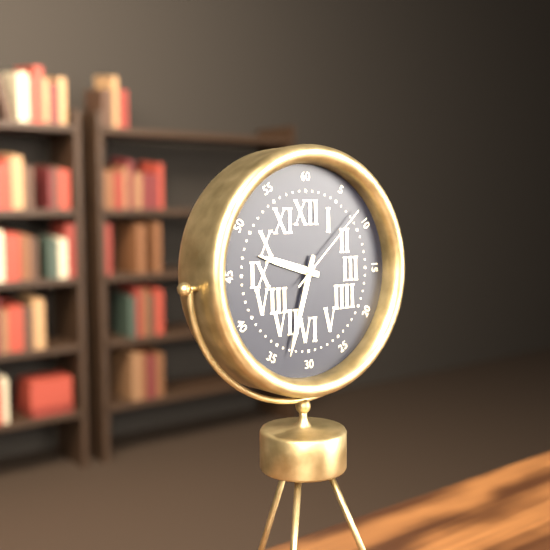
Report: 9:33:08
